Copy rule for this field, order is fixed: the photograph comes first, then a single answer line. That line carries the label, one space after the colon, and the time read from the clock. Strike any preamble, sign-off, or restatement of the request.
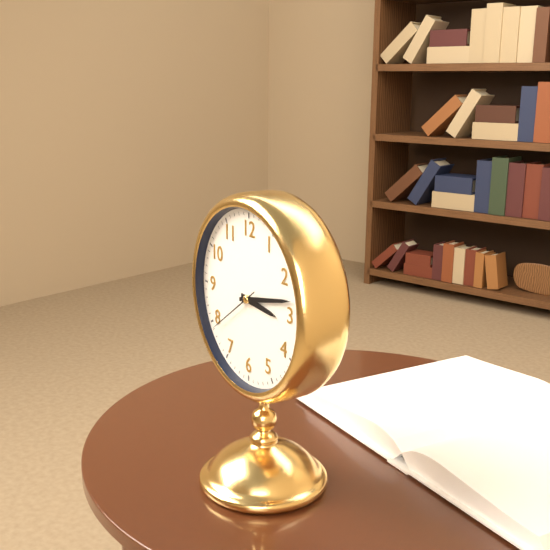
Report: 3:13:39
